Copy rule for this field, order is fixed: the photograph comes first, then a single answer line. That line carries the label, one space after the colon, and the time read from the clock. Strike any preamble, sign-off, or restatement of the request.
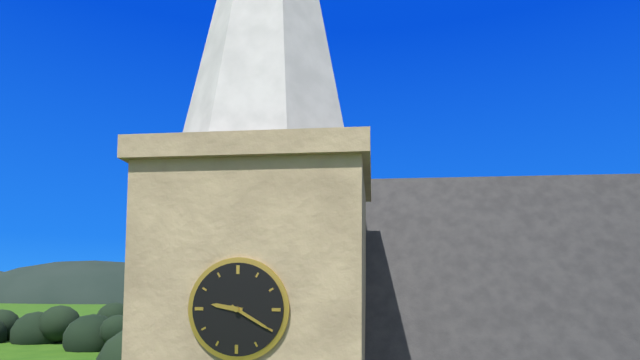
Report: 9:20
